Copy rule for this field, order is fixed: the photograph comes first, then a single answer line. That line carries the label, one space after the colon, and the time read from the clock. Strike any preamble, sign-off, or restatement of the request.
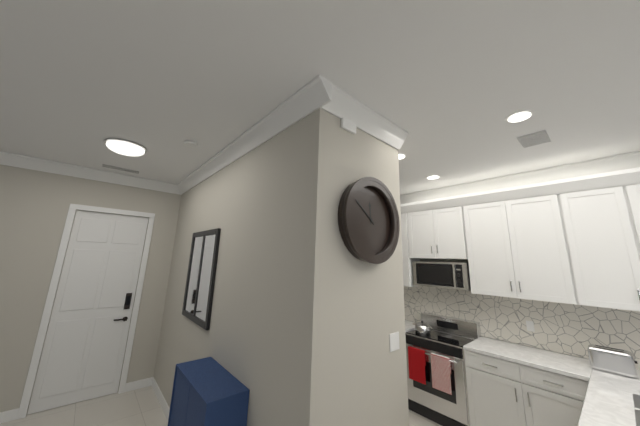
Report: 11:51
